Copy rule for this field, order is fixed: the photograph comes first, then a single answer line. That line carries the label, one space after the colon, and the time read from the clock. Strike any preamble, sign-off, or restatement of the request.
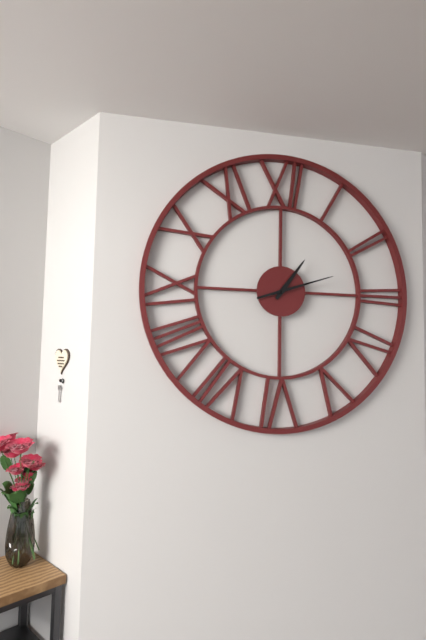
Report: 1:12
